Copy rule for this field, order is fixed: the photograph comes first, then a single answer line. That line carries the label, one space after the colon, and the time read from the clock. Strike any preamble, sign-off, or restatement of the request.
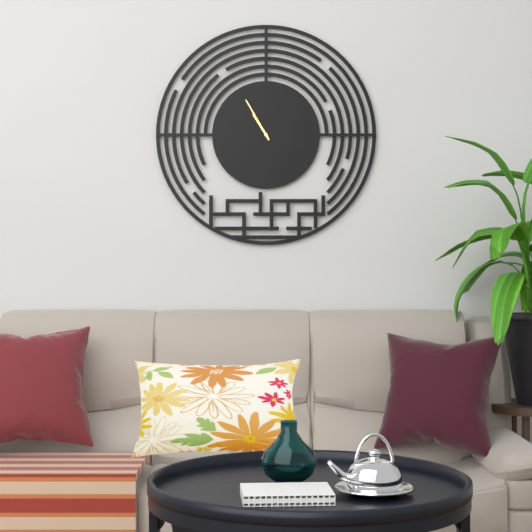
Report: 10:55
